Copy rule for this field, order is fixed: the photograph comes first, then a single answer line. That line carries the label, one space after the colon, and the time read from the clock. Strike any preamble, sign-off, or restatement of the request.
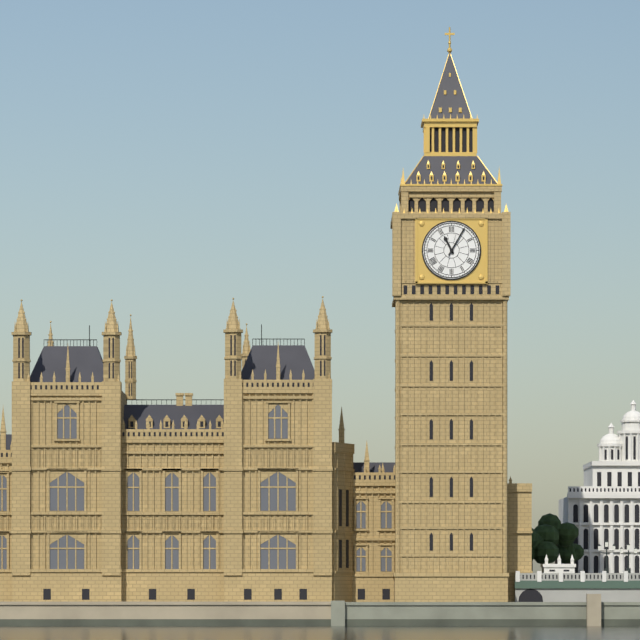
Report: 11:05
